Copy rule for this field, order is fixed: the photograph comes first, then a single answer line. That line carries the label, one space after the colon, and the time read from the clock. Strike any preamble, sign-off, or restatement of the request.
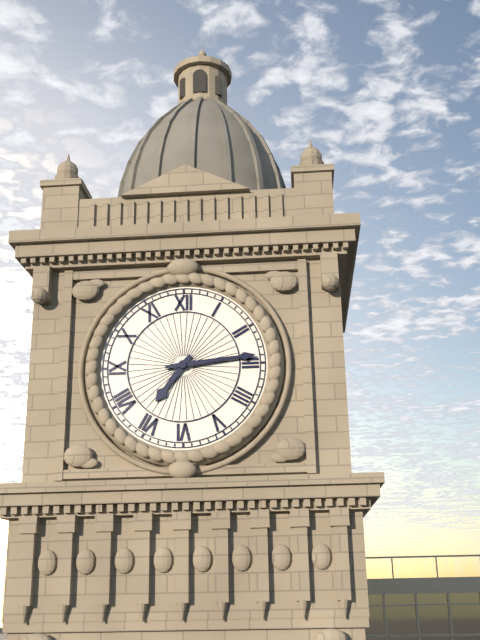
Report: 7:14
